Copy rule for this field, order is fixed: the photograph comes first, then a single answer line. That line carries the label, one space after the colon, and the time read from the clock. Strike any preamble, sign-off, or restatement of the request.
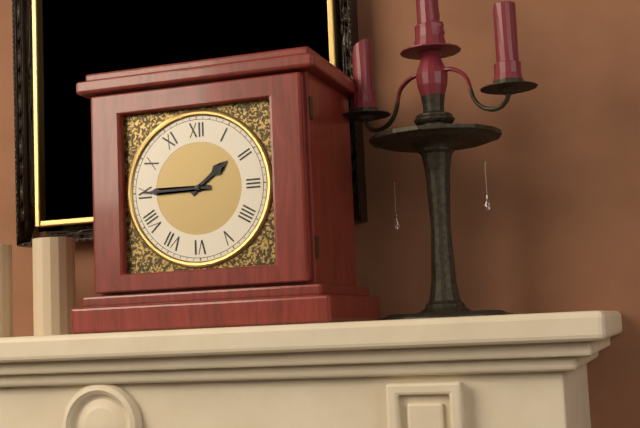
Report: 1:45
